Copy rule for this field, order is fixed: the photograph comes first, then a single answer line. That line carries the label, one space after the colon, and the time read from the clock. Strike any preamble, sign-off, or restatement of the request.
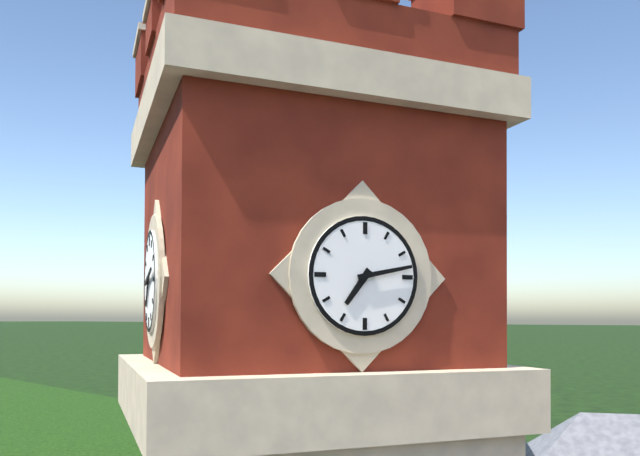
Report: 7:13
